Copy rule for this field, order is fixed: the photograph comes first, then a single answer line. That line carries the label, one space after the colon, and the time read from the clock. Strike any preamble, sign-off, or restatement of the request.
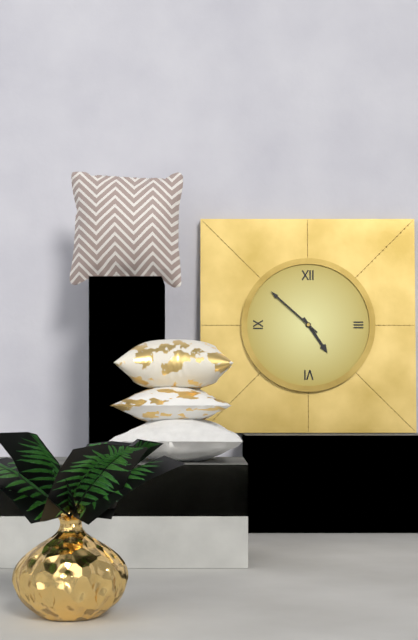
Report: 4:52
